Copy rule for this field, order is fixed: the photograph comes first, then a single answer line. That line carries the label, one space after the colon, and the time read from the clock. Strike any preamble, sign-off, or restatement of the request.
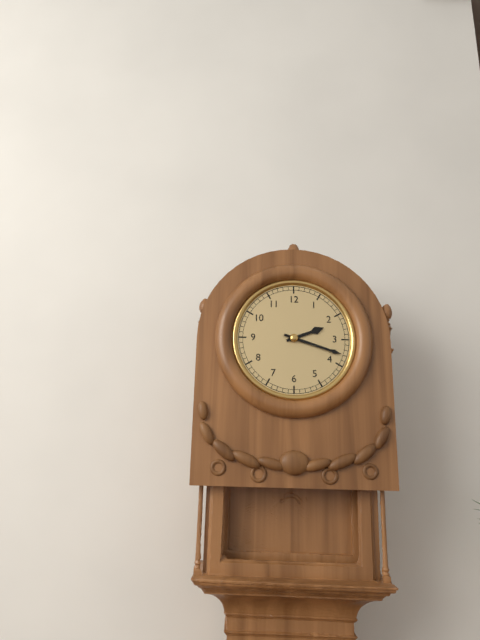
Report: 2:18
